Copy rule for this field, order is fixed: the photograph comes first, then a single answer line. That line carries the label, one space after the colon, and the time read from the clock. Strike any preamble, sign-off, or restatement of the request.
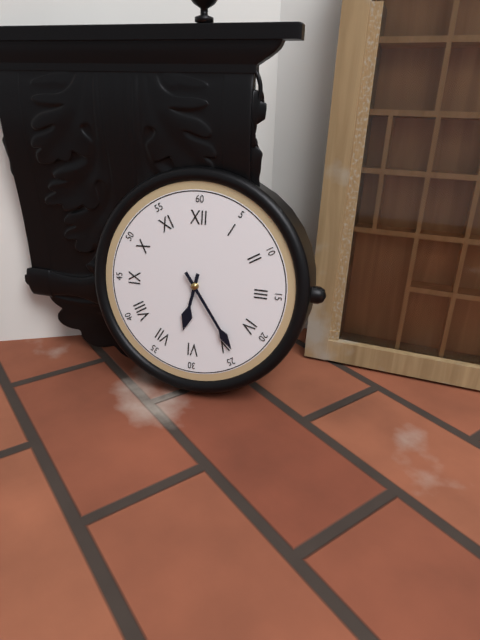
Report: 6:24
